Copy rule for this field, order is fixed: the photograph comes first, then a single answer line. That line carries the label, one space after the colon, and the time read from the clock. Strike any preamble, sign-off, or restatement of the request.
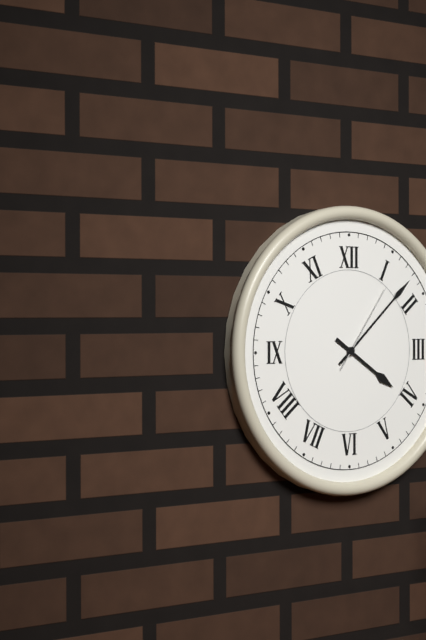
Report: 4:08:06
